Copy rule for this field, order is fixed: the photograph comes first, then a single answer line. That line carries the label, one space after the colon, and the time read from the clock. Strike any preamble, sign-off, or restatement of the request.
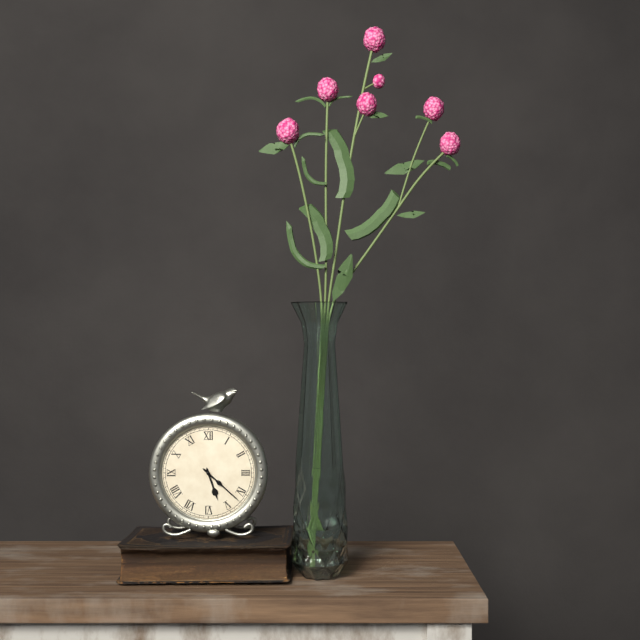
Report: 5:22
